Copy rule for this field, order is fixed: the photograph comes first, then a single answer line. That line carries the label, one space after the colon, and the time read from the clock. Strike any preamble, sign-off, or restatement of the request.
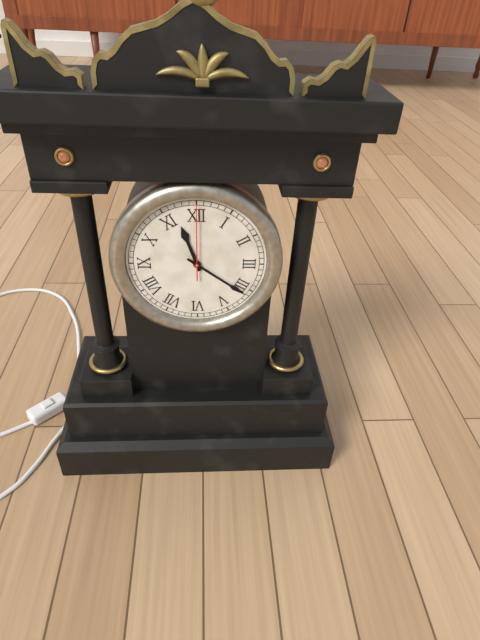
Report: 11:21:00
